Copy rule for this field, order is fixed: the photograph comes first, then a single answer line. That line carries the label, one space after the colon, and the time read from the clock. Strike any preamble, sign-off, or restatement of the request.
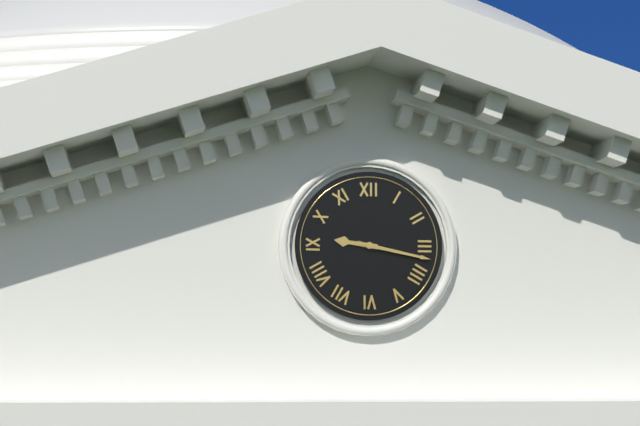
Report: 9:17
